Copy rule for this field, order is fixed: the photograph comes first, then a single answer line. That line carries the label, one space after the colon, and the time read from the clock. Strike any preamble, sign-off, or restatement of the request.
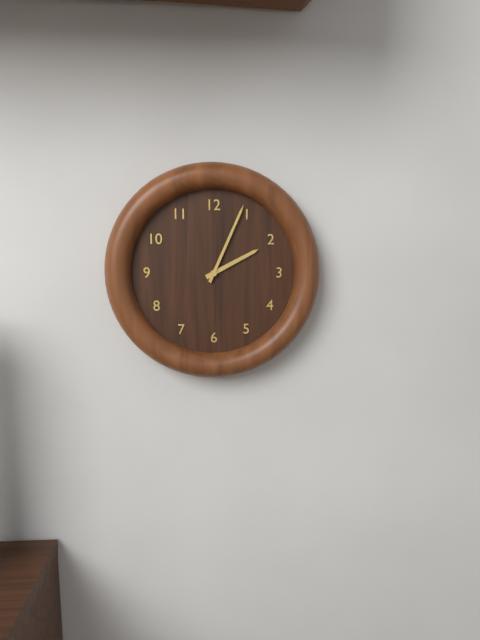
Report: 2:04
